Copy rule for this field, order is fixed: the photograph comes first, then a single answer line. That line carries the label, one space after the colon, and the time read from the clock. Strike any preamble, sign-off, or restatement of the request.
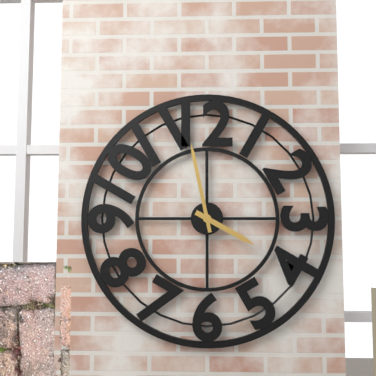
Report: 3:58
